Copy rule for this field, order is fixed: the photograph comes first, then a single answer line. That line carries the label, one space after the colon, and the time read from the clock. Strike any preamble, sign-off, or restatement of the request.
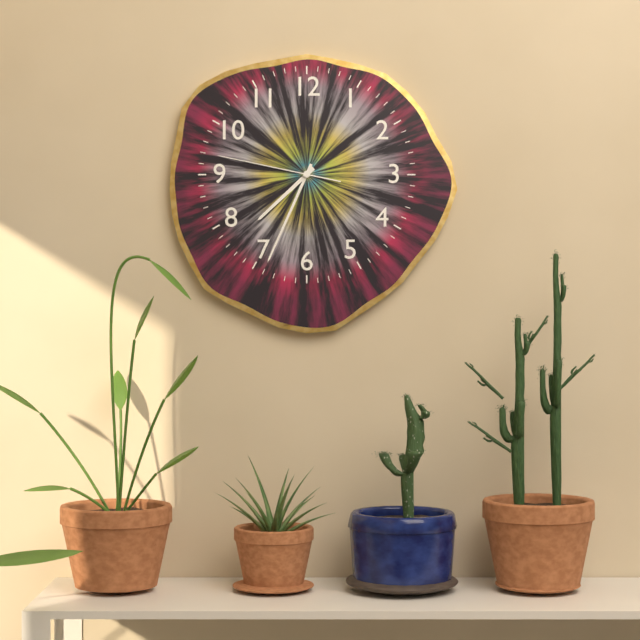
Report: 7:34:47
